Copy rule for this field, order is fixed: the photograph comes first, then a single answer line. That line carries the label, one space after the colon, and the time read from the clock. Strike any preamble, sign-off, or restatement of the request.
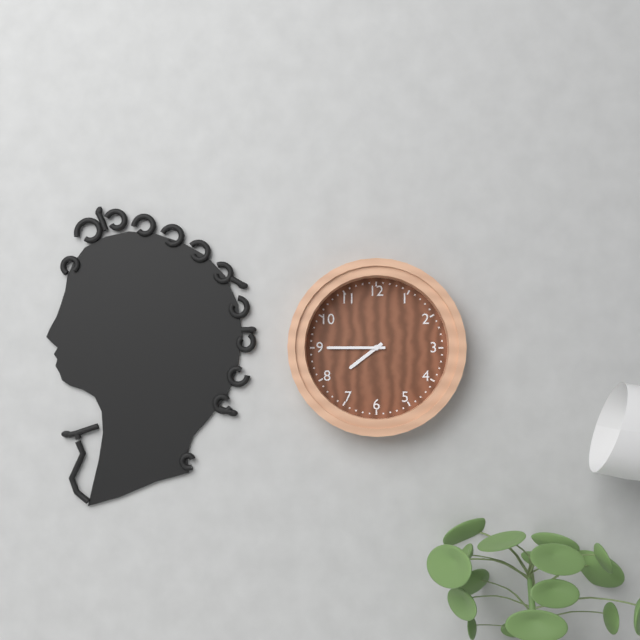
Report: 7:45
